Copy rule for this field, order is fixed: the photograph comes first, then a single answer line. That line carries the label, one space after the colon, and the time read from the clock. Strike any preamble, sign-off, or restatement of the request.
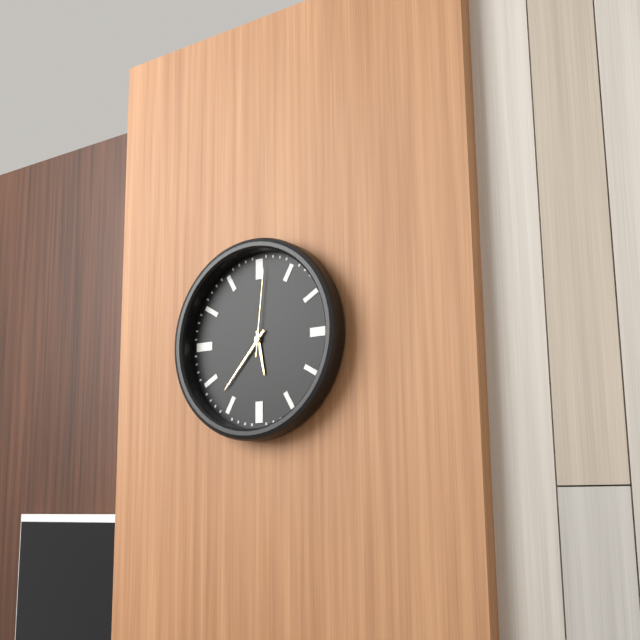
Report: 5:37:01
